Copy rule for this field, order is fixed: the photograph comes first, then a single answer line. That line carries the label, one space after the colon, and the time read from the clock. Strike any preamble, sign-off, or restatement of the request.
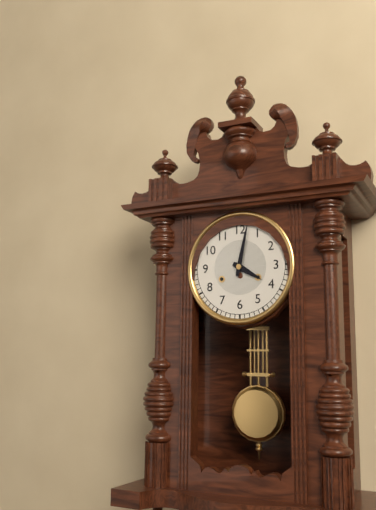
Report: 4:02
